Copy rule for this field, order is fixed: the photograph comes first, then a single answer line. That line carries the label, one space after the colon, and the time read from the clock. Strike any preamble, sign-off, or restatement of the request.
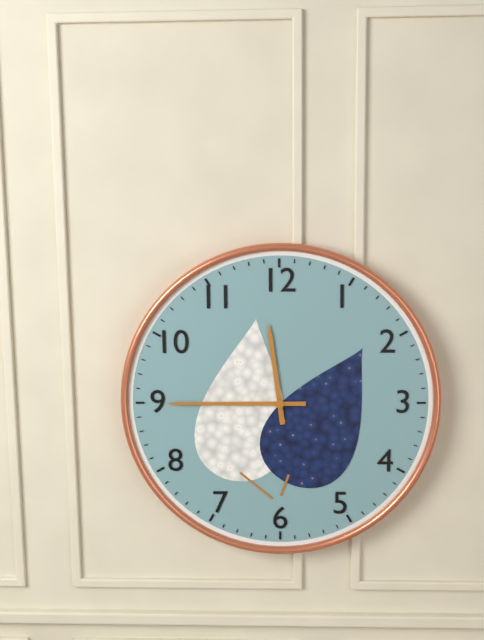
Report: 11:45
